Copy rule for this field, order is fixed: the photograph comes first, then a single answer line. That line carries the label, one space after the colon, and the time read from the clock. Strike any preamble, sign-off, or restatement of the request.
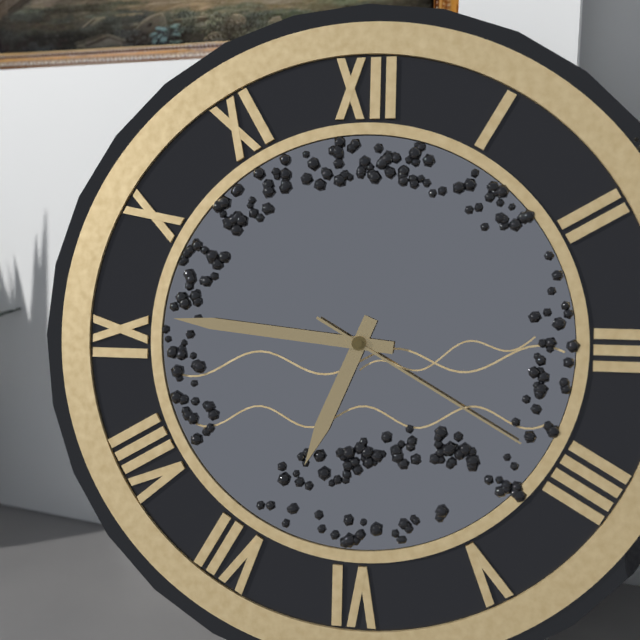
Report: 6:46:20
